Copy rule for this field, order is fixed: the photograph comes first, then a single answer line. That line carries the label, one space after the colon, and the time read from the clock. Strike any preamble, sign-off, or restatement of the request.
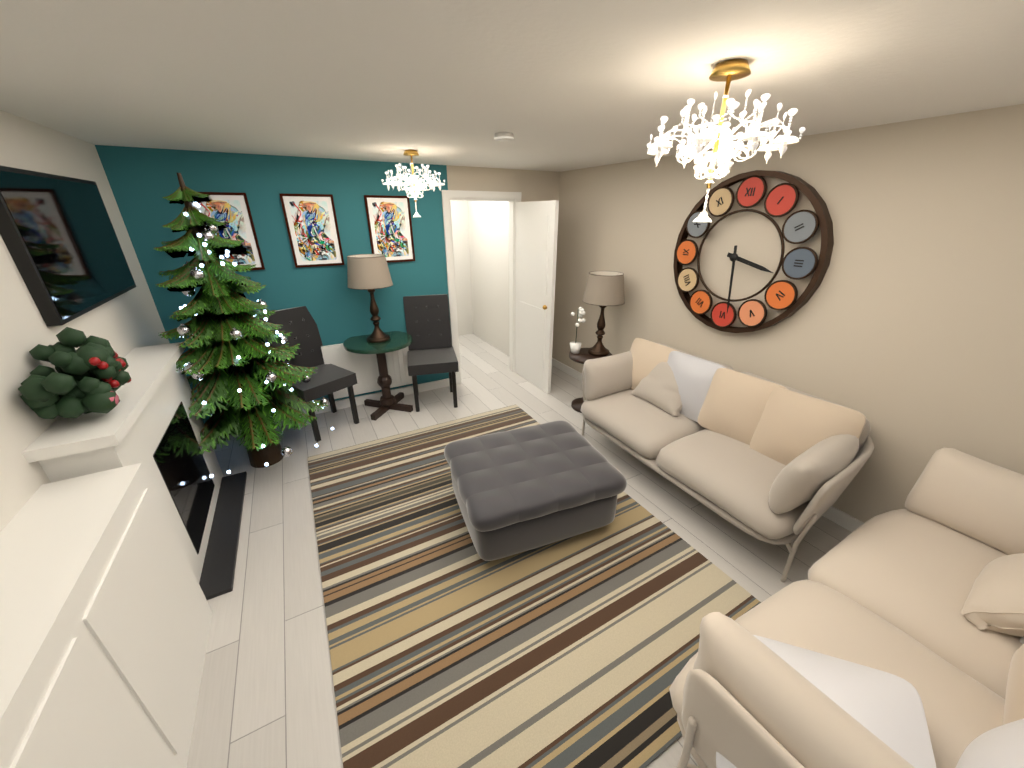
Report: 3:29
